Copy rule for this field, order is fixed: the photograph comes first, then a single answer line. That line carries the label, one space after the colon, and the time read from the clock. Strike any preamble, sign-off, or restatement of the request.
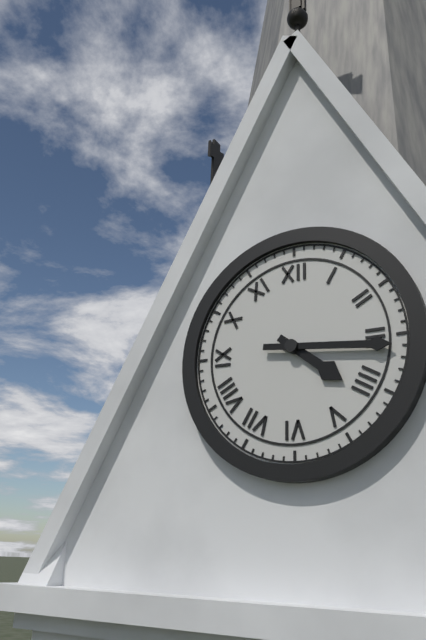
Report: 4:16
